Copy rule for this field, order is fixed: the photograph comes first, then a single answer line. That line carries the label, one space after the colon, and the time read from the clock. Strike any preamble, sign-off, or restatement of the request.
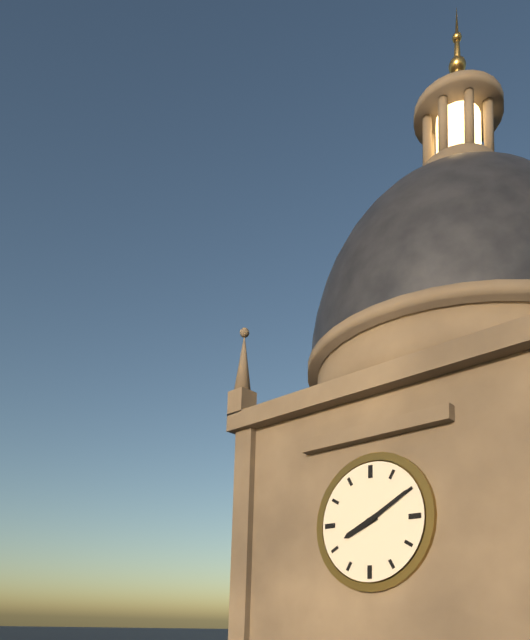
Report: 8:10
